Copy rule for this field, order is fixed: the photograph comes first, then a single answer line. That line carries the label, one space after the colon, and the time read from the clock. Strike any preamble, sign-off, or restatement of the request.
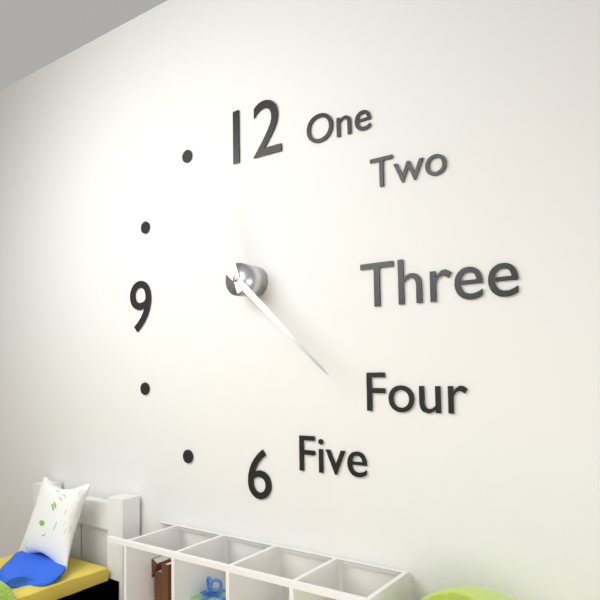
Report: 11:22
